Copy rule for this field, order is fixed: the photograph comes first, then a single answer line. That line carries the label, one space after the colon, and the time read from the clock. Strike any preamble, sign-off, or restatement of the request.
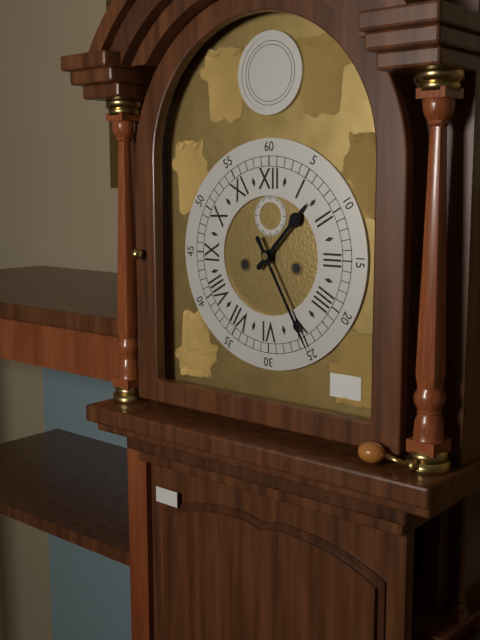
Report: 1:25
